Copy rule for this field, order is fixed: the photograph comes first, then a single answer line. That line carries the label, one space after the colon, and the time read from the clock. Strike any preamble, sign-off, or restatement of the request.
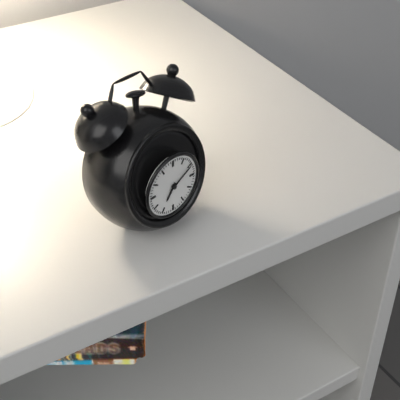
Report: 7:10
